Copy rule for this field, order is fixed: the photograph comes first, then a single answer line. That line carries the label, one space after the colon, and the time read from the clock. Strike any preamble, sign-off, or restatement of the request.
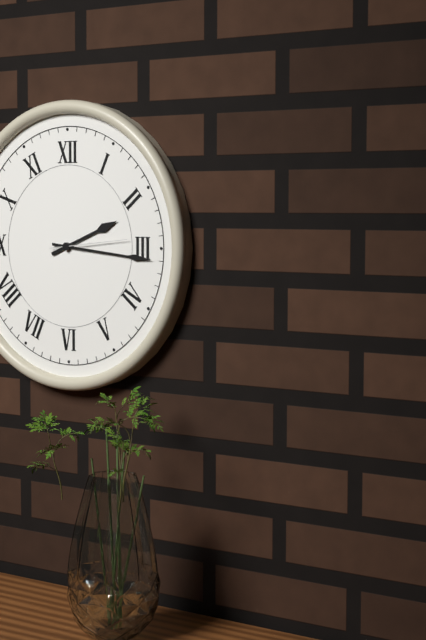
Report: 2:16:14
